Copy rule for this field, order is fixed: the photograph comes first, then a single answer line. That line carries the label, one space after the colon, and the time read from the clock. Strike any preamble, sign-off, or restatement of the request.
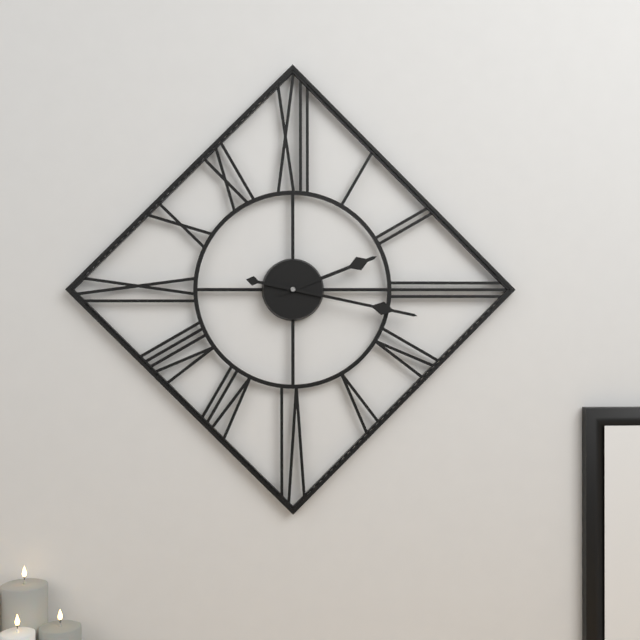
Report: 2:17
